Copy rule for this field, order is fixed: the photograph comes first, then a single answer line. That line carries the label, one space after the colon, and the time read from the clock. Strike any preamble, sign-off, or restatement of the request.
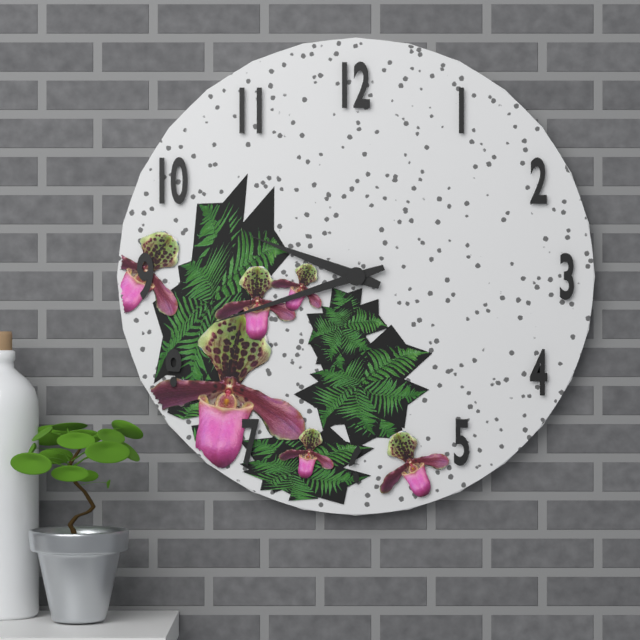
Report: 9:42
